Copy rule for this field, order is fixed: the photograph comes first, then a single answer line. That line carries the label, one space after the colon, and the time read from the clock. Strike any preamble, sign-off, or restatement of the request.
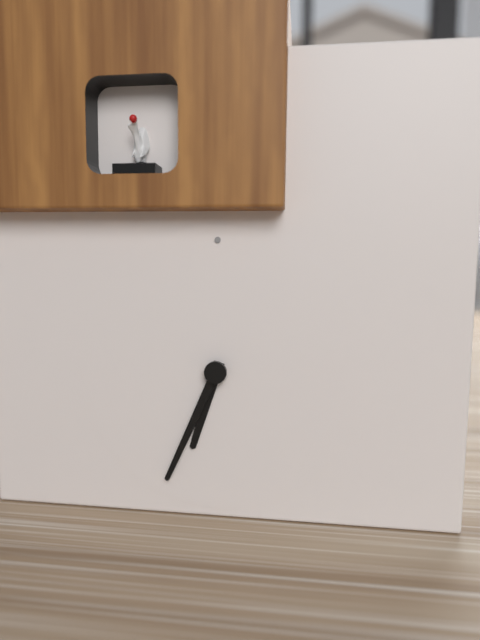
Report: 6:34
